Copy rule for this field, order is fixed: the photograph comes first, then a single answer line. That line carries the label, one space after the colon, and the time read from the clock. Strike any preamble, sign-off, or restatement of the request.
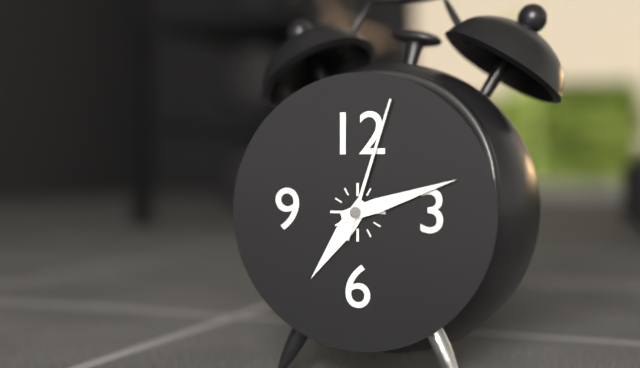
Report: 7:12:03
